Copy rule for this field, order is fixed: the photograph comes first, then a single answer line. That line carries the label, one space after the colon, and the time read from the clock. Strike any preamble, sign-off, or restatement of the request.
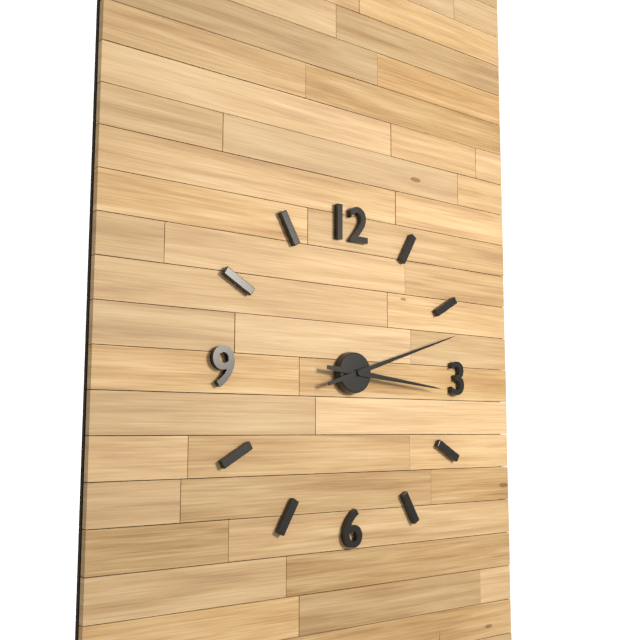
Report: 3:12
